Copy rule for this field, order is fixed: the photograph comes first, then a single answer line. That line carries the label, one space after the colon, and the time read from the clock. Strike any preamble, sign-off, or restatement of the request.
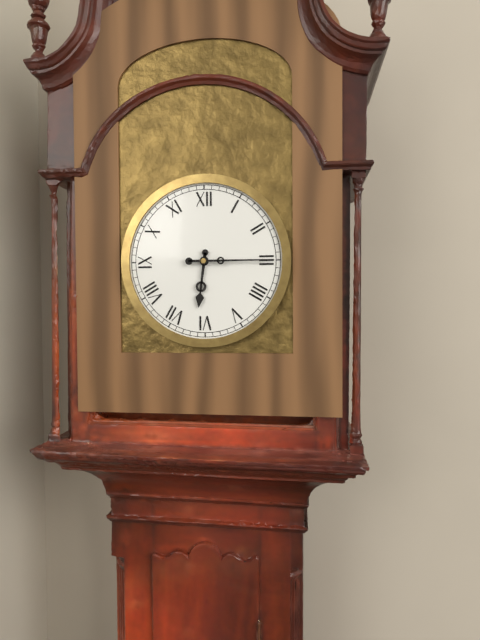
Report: 6:15
